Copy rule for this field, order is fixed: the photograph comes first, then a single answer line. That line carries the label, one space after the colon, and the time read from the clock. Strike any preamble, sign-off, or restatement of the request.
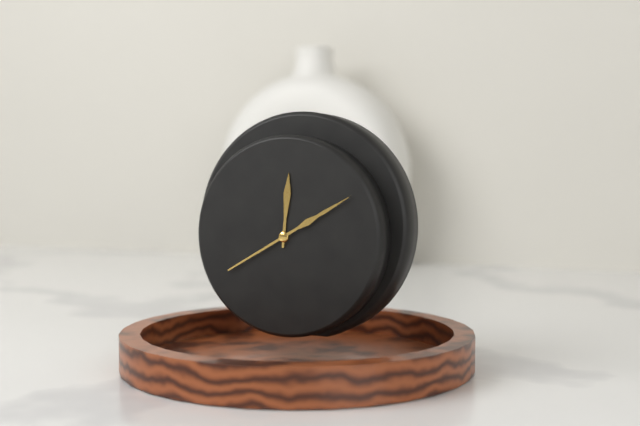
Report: 12:10
